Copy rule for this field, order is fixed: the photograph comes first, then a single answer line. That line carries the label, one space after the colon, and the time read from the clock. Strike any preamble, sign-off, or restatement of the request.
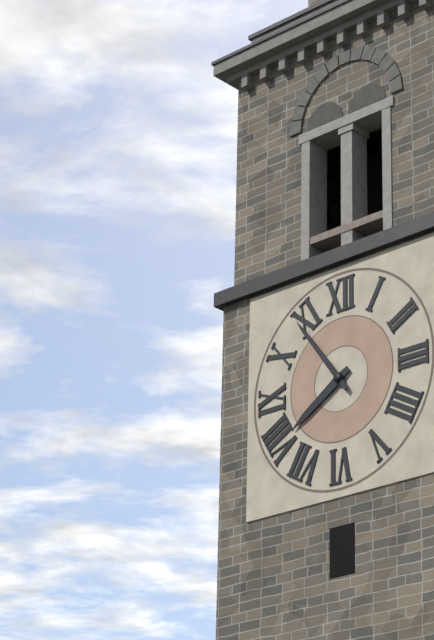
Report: 7:54
